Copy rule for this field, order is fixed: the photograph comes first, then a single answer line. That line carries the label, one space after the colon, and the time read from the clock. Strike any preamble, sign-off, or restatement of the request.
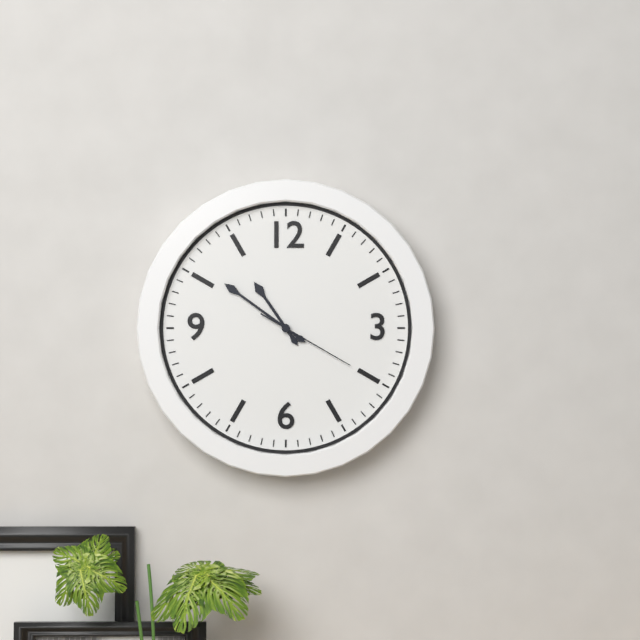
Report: 10:51:20
